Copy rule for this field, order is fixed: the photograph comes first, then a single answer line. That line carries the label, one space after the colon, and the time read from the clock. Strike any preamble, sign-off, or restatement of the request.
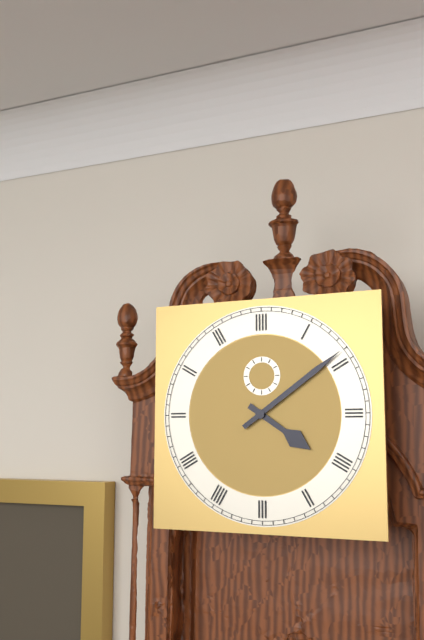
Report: 4:09
